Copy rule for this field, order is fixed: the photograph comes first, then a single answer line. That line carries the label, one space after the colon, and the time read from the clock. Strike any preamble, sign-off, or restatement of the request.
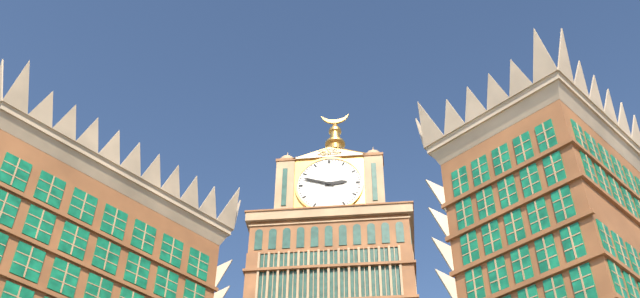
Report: 2:48
